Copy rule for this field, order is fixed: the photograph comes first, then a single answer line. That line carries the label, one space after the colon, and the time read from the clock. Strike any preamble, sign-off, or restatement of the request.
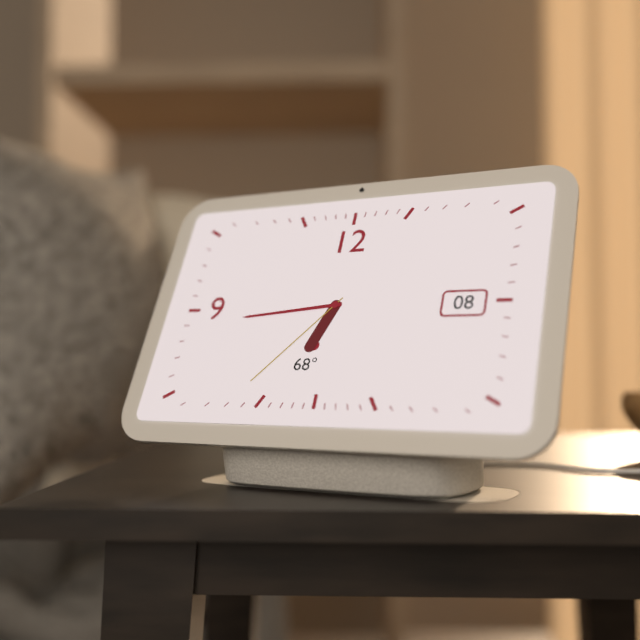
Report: 6:44:37
